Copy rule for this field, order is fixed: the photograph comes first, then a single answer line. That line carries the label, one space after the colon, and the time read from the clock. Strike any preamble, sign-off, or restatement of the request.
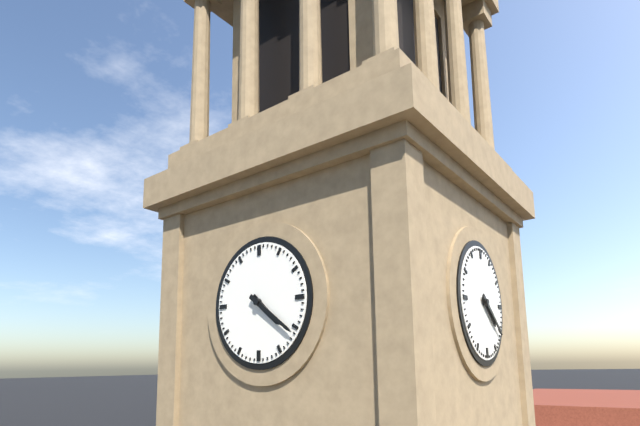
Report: 4:21
